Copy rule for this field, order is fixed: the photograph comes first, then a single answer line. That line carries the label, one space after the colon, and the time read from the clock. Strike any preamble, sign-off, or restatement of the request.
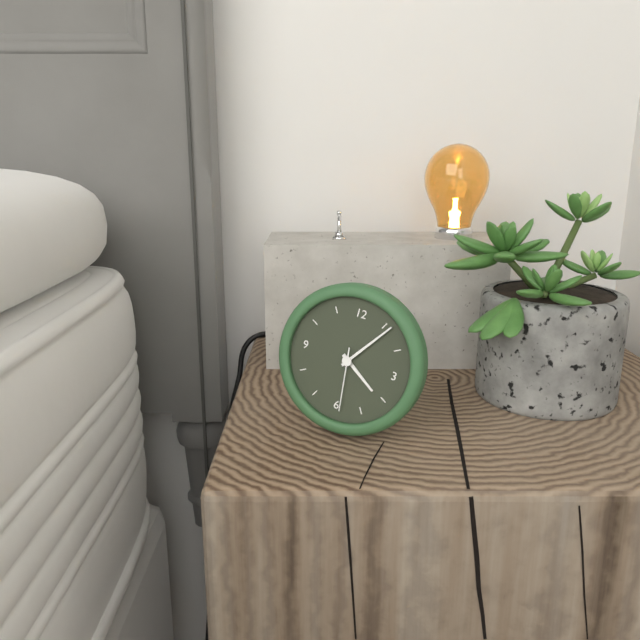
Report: 4:06:29
